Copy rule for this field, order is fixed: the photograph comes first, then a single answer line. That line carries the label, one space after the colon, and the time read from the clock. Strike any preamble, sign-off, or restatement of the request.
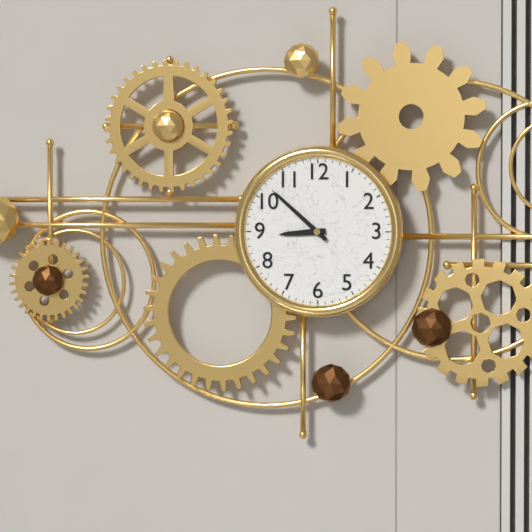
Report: 8:52
